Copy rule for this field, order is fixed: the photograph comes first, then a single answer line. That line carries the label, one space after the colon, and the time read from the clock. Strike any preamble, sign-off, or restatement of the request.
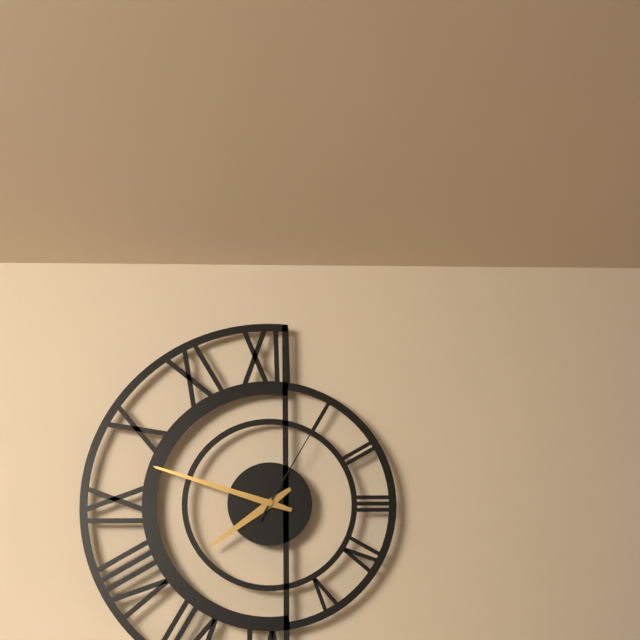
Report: 7:48:05
